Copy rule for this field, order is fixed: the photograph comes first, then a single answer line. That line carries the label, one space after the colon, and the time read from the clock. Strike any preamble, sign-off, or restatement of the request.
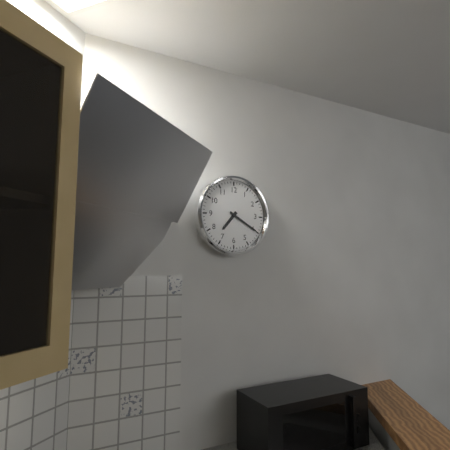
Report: 7:20
